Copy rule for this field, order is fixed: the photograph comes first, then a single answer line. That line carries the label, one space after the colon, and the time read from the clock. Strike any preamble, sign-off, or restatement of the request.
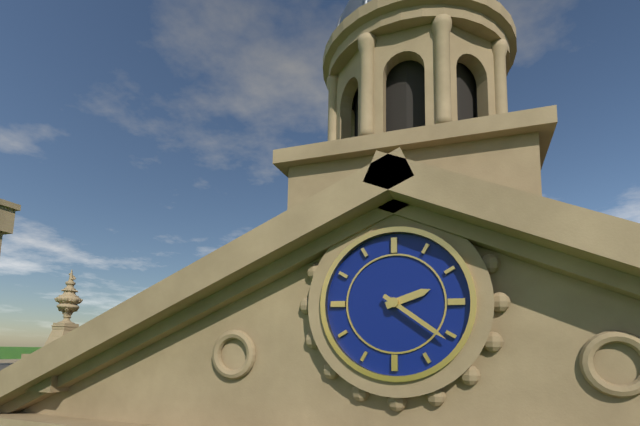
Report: 2:21
